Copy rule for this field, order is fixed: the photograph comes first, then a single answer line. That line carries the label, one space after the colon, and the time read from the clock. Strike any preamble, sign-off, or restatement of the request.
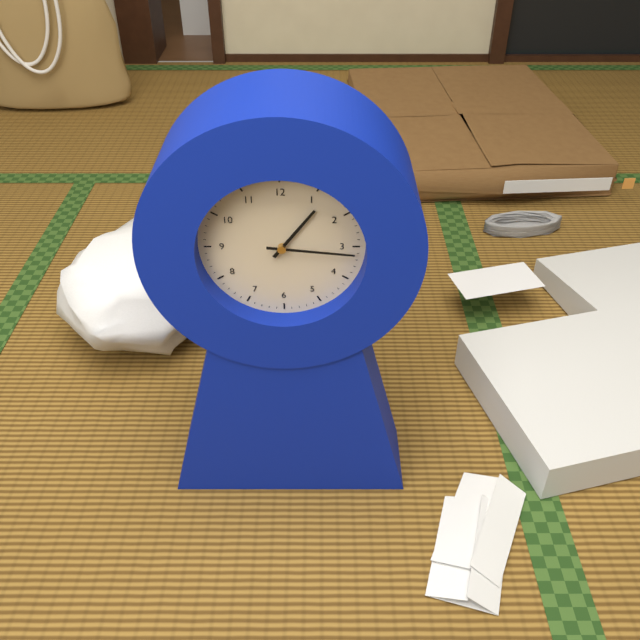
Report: 1:16
